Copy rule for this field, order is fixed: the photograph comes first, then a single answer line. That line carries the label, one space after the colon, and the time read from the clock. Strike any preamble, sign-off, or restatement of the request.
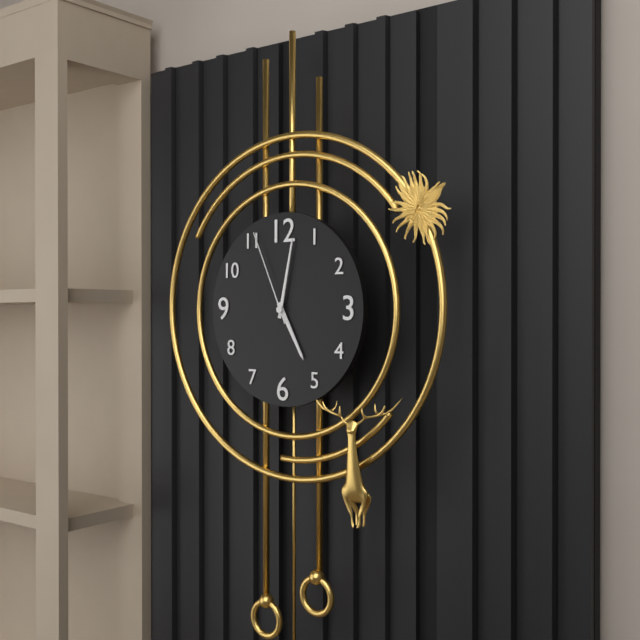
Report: 5:02:56
